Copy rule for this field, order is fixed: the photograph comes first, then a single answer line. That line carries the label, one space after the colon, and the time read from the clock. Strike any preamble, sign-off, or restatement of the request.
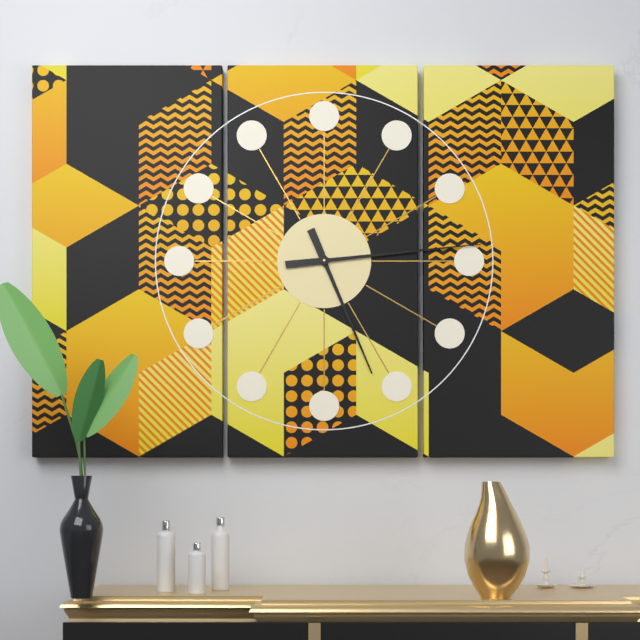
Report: 5:14
